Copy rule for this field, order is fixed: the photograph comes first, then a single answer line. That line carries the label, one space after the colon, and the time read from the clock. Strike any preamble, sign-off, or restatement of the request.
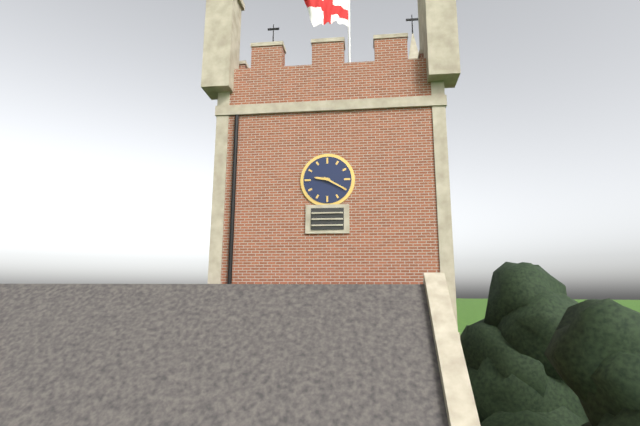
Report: 9:20
